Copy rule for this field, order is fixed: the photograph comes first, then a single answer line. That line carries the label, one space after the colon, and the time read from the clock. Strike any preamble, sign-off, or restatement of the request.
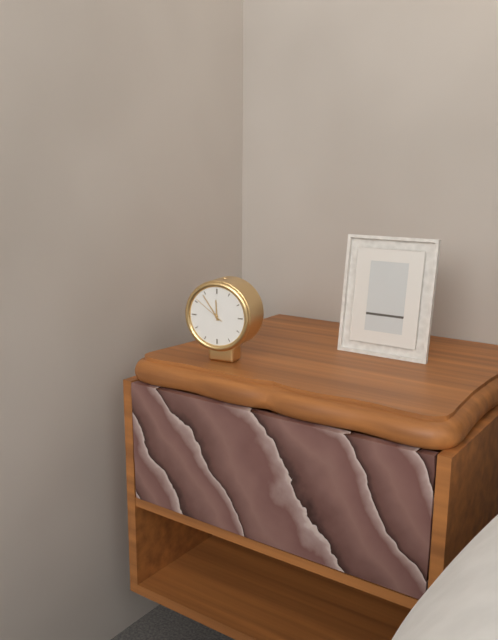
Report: 11:54
